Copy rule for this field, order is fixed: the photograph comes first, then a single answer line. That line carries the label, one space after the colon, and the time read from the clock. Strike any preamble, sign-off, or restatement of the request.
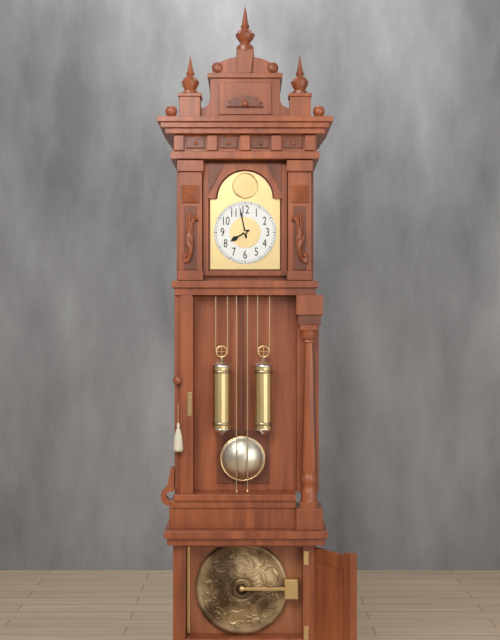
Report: 7:58
